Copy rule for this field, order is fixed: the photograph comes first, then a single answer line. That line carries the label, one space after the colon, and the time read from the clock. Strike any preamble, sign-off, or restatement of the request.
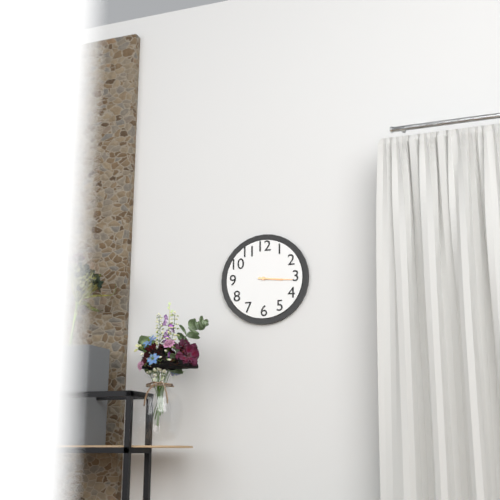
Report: 3:16
